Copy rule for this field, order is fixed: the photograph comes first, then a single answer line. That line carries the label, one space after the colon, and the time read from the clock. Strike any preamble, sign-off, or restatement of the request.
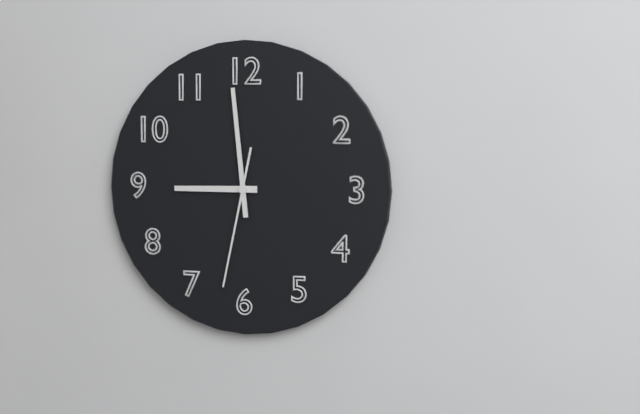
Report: 8:59:32
